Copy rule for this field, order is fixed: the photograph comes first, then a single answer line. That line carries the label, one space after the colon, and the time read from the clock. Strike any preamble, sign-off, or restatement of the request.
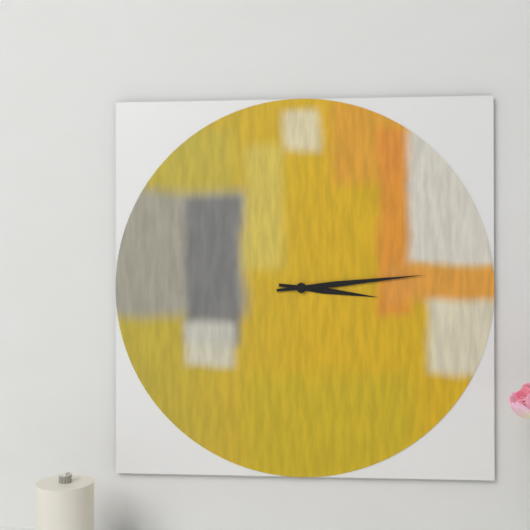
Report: 3:14
